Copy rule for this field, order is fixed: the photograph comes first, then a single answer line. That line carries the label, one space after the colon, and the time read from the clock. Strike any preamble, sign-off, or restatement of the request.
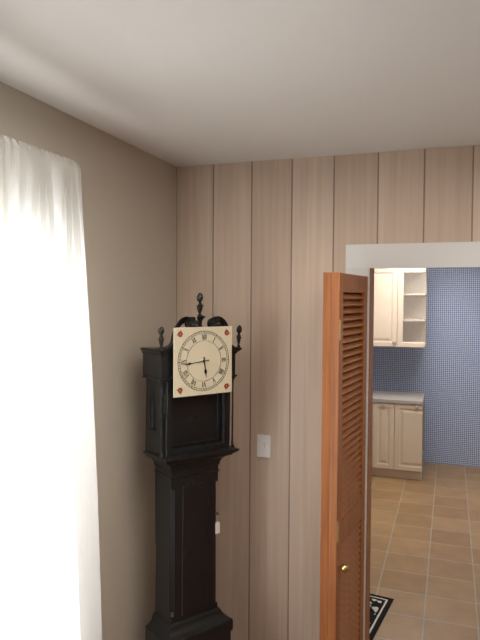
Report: 5:44
